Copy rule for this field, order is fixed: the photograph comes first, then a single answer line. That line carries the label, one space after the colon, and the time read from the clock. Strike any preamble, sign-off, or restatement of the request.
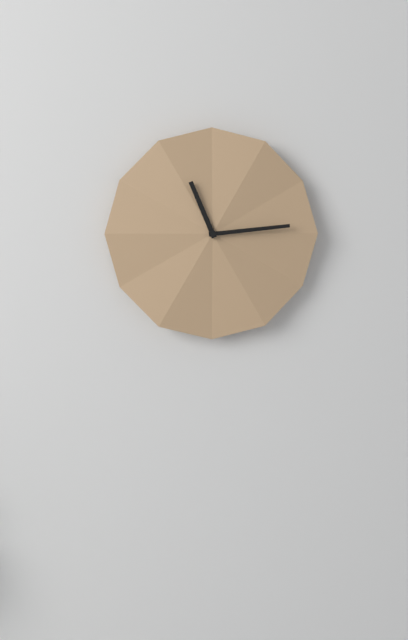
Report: 11:14
